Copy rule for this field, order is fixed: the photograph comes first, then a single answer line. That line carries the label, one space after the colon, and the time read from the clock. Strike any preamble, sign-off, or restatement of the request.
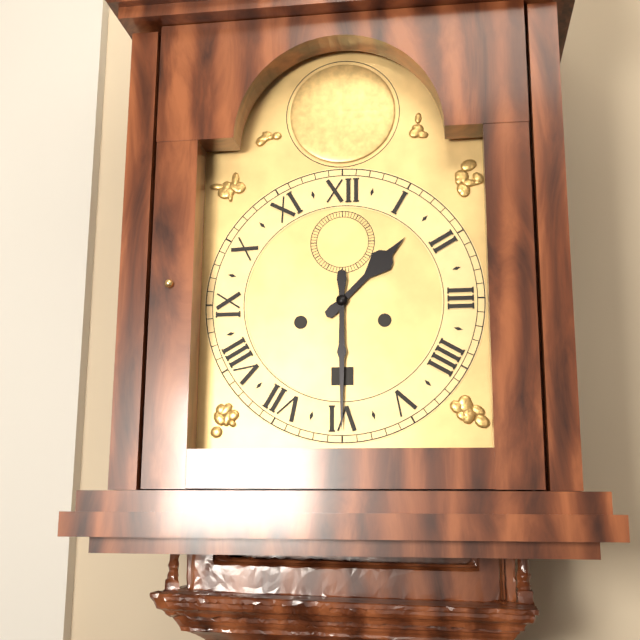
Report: 1:30
